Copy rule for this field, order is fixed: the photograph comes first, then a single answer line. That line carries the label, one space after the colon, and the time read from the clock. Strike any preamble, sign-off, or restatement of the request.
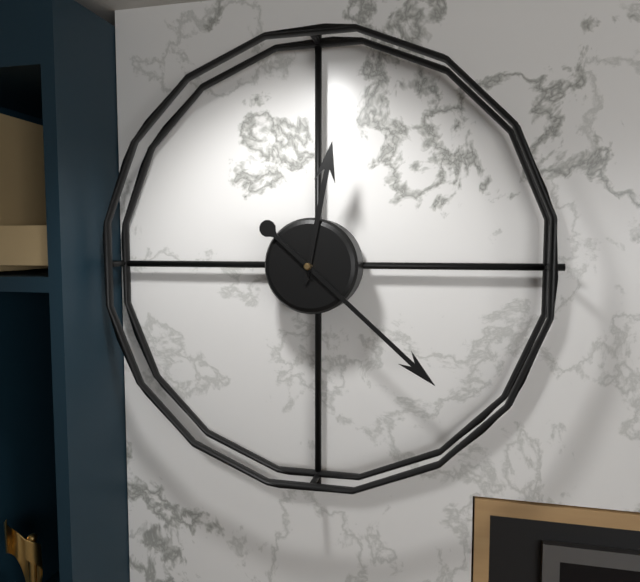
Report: 12:22
